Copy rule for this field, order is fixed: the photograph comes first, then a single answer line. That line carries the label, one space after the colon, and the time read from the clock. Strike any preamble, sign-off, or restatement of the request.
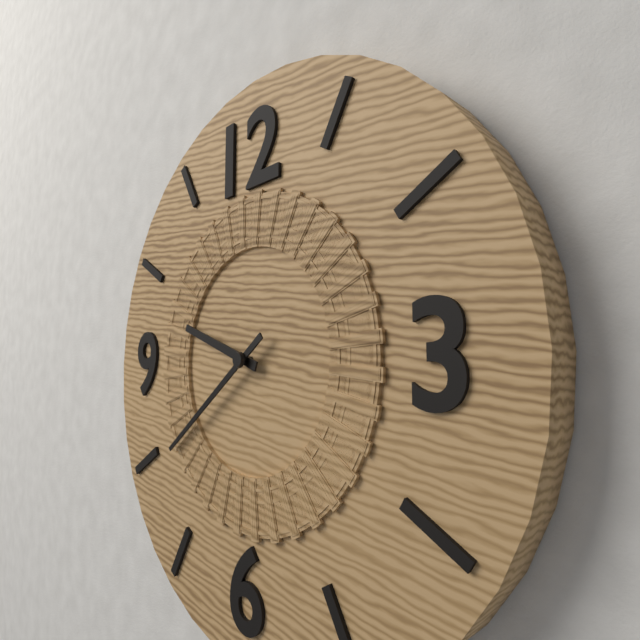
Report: 9:39
